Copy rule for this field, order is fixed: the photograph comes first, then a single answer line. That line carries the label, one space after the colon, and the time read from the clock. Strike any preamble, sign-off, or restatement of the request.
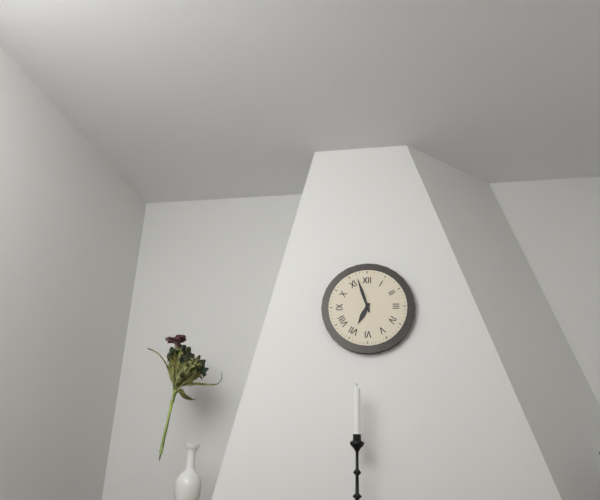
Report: 6:57
